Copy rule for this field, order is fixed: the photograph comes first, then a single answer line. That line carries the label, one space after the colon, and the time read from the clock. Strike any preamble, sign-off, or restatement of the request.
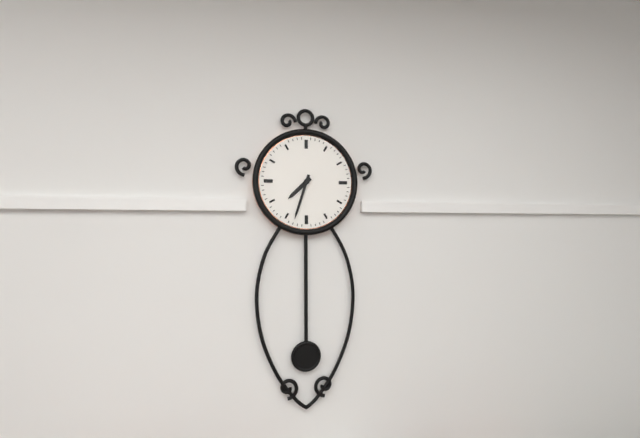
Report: 7:33
